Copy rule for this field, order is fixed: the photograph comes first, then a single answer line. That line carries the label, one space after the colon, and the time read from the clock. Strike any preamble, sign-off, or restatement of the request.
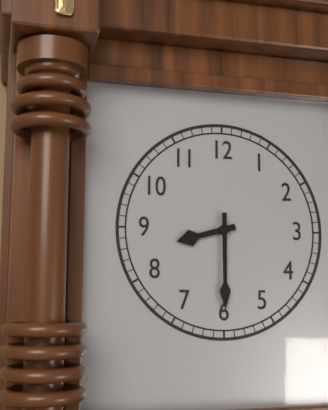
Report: 8:30
